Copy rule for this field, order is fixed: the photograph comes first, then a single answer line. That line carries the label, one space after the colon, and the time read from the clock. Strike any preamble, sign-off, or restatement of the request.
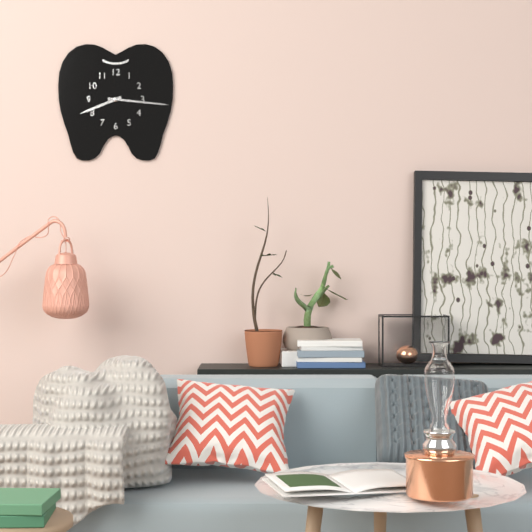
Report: 8:16
